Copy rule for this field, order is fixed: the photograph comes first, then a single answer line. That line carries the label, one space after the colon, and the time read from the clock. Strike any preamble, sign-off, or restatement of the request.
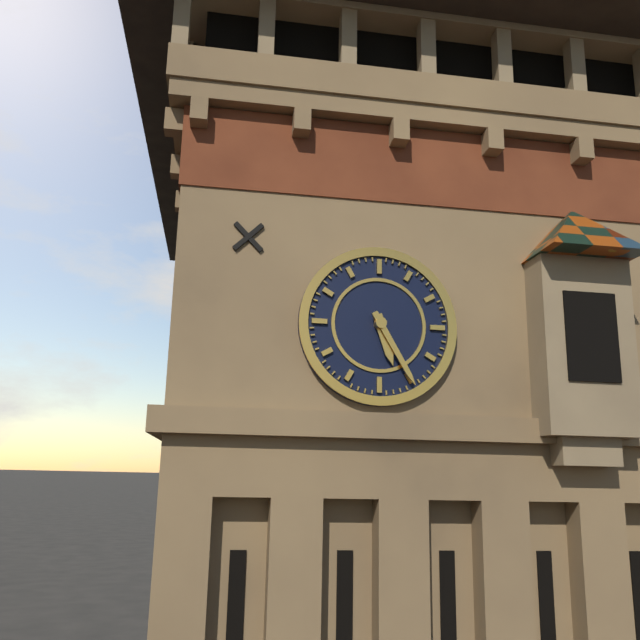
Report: 5:25
